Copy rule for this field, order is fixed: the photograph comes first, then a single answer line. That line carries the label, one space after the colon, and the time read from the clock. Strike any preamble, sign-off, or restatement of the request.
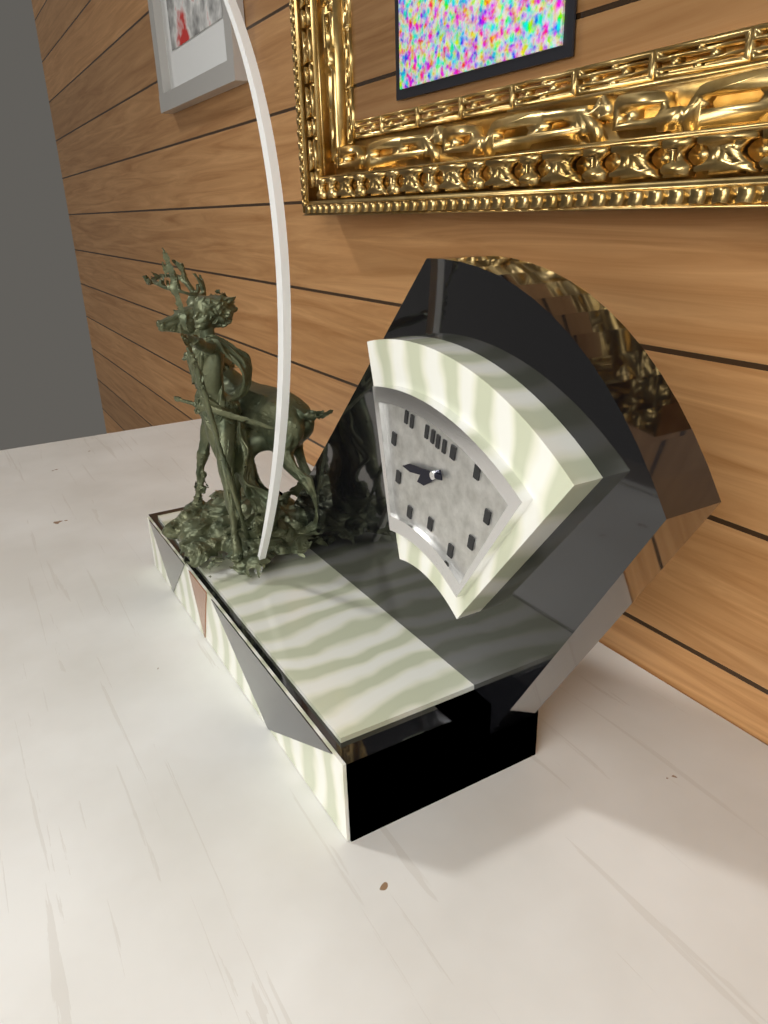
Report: 7:42
